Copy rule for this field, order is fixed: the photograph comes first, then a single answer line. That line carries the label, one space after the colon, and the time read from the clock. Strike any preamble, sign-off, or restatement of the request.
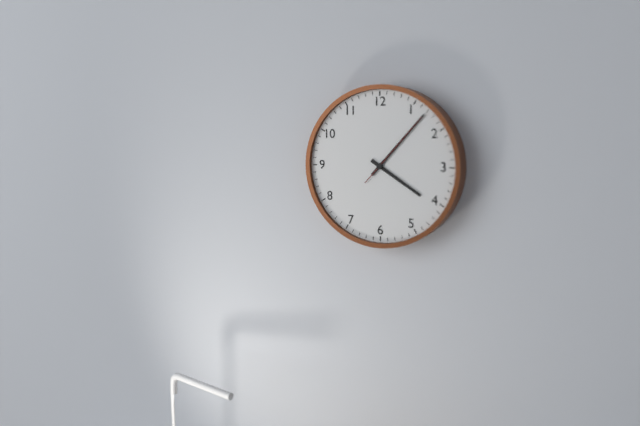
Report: 4:07:07
